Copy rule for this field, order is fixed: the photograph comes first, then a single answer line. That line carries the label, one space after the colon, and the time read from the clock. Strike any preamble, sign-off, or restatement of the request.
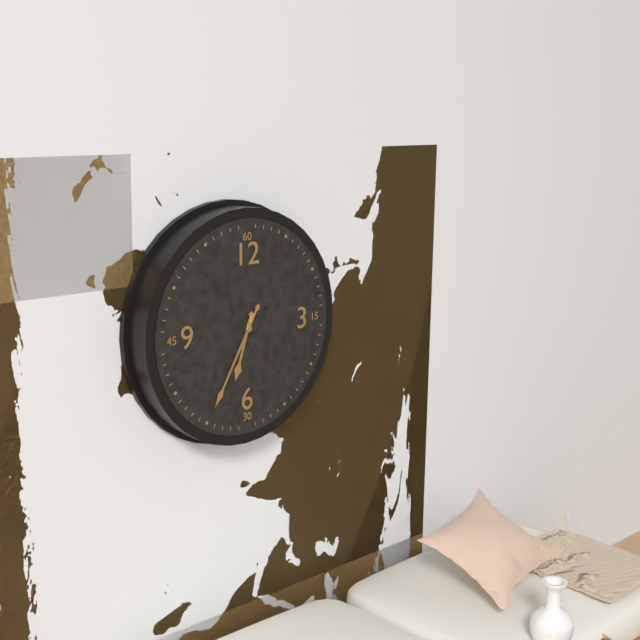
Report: 6:35
